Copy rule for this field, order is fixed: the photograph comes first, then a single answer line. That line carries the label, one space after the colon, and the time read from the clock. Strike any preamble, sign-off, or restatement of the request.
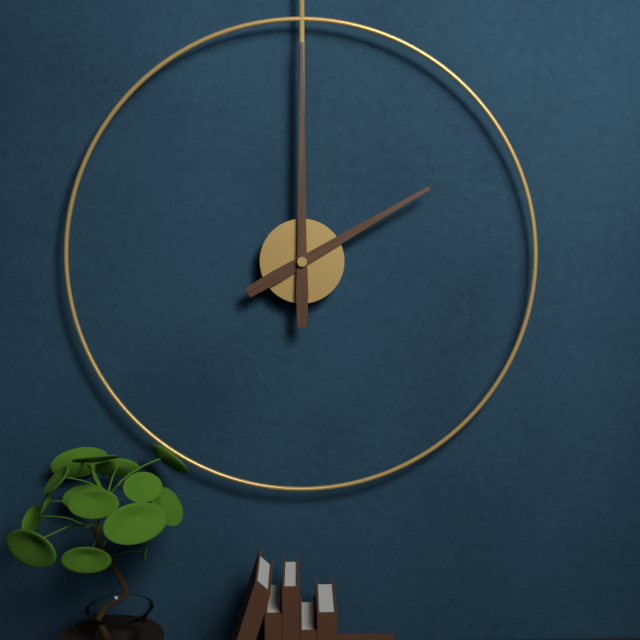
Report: 2:00
